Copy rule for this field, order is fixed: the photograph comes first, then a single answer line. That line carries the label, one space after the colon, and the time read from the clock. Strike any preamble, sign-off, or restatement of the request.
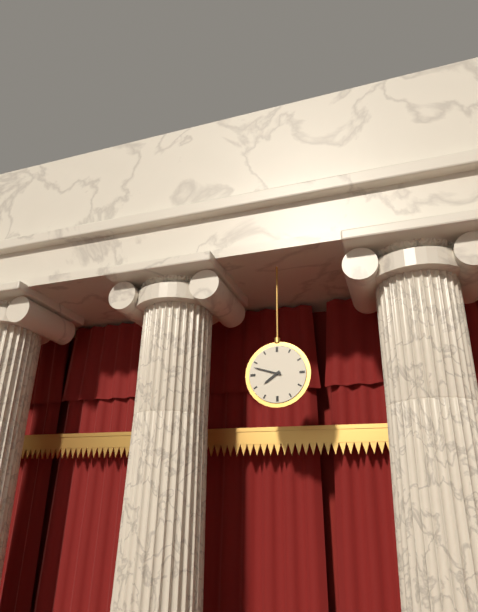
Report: 7:48
